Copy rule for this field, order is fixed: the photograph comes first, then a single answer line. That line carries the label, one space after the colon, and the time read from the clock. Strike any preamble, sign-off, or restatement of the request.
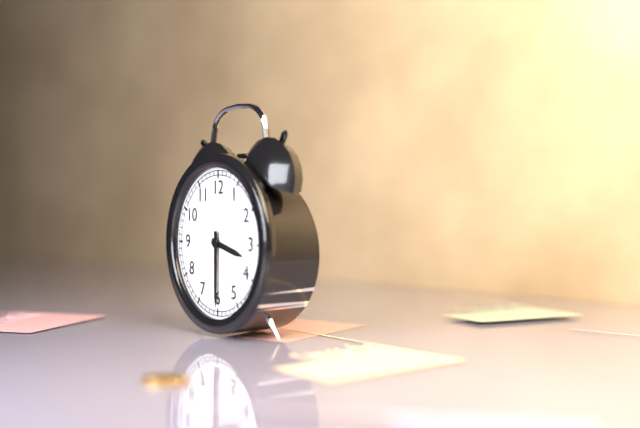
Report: 3:30
